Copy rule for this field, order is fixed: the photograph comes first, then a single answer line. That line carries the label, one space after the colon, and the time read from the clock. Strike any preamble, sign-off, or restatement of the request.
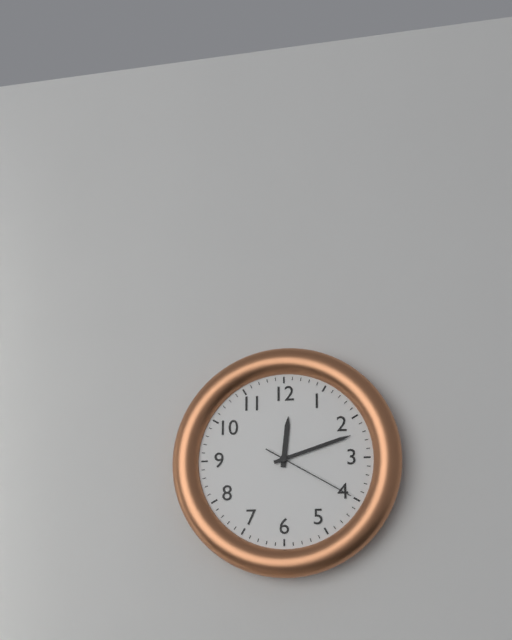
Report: 12:12:20
